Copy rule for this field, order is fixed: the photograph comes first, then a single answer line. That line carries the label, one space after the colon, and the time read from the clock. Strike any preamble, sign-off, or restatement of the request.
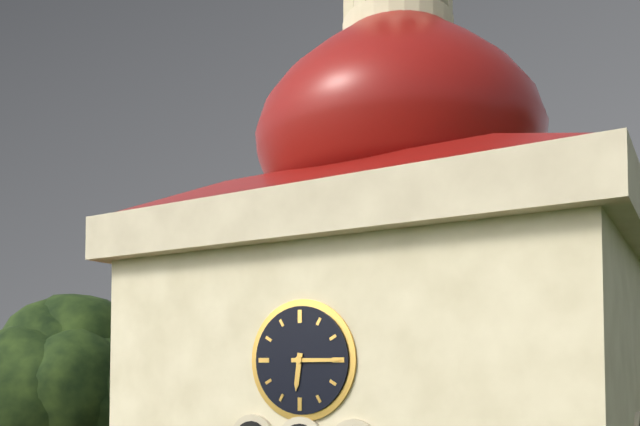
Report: 6:15
